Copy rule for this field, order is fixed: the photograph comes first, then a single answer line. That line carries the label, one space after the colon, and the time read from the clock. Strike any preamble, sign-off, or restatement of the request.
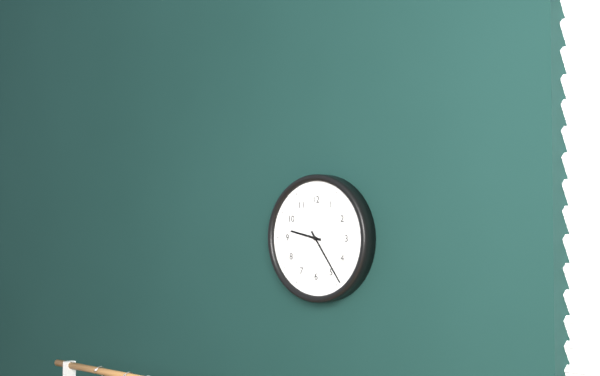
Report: 9:24
